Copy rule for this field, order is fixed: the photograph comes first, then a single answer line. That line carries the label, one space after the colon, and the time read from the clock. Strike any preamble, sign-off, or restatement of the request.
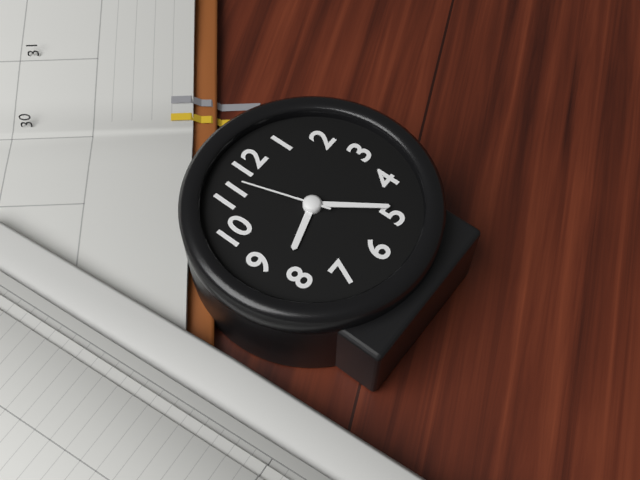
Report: 8:24:57
